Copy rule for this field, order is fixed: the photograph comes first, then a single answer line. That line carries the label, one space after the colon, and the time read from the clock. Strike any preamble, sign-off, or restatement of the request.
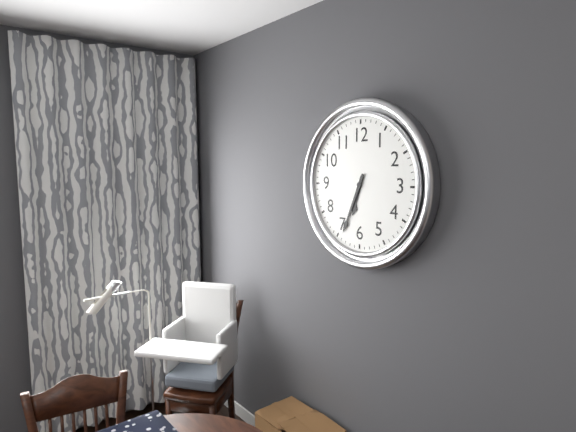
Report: 6:34
